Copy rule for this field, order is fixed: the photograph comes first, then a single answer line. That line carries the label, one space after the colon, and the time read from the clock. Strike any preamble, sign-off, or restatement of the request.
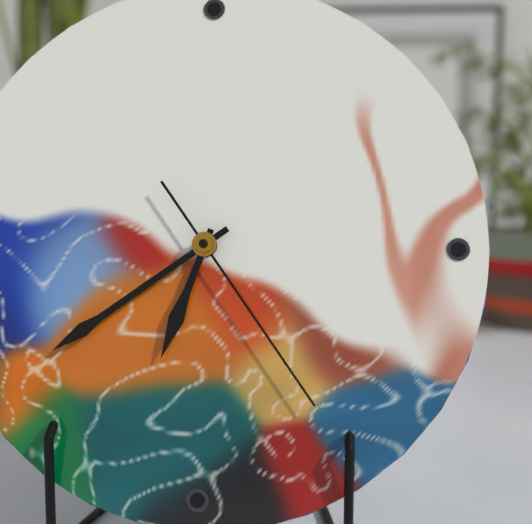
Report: 6:39:24
